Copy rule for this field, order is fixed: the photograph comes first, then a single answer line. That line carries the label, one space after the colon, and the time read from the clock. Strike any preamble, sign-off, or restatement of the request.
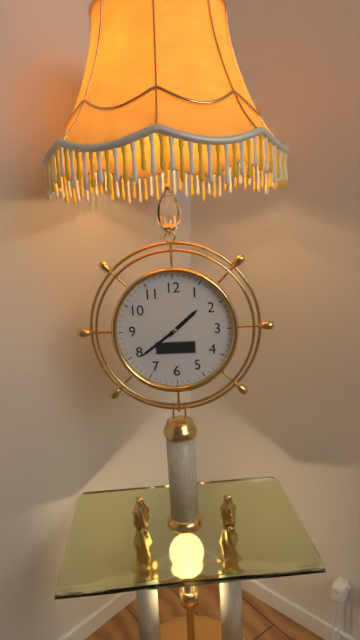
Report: 1:39
